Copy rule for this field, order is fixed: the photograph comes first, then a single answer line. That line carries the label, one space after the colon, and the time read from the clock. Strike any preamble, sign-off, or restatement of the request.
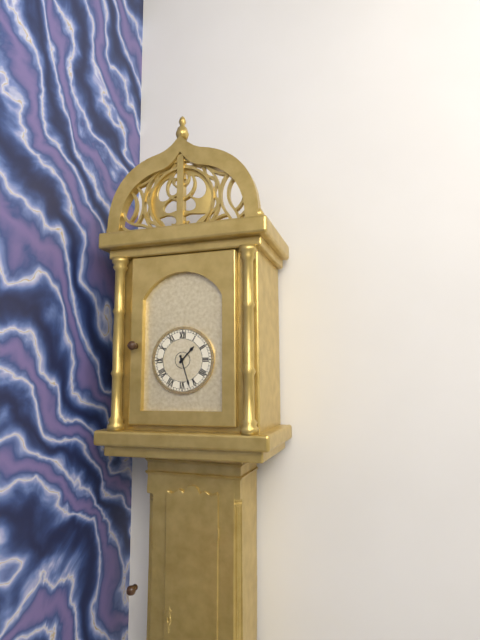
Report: 1:27
